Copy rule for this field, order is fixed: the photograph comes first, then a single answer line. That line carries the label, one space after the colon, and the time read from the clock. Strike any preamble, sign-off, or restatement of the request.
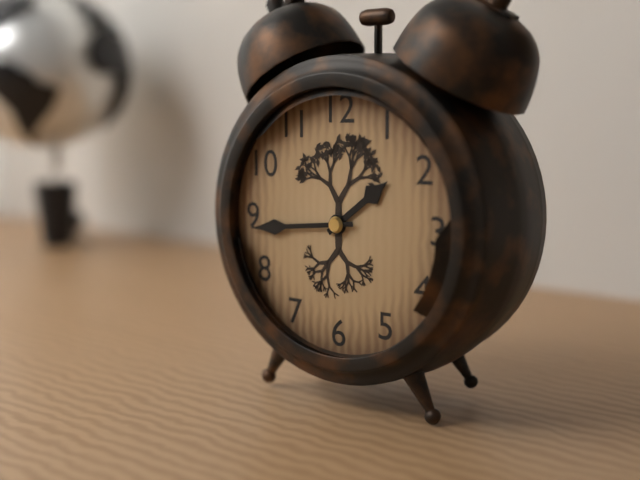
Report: 1:44
